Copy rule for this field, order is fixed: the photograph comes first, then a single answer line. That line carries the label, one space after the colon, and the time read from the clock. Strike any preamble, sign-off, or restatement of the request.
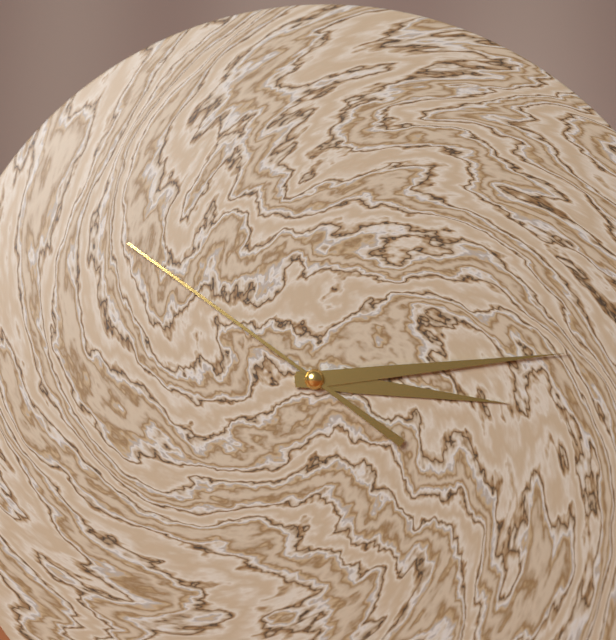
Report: 3:14:51
